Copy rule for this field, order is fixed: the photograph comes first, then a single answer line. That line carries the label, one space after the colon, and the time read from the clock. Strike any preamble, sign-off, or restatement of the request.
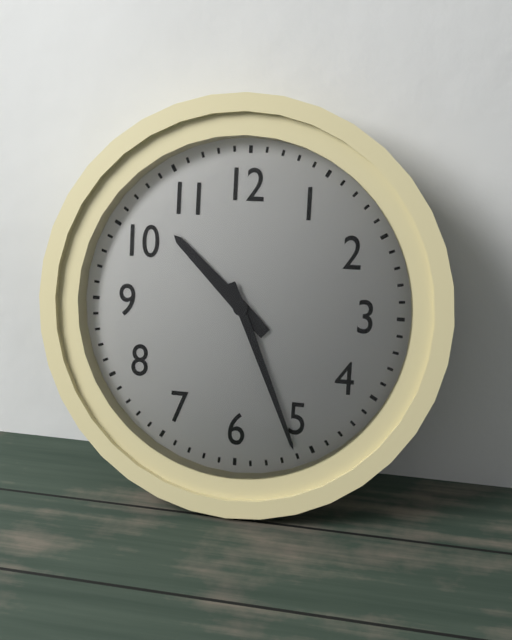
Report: 10:26
